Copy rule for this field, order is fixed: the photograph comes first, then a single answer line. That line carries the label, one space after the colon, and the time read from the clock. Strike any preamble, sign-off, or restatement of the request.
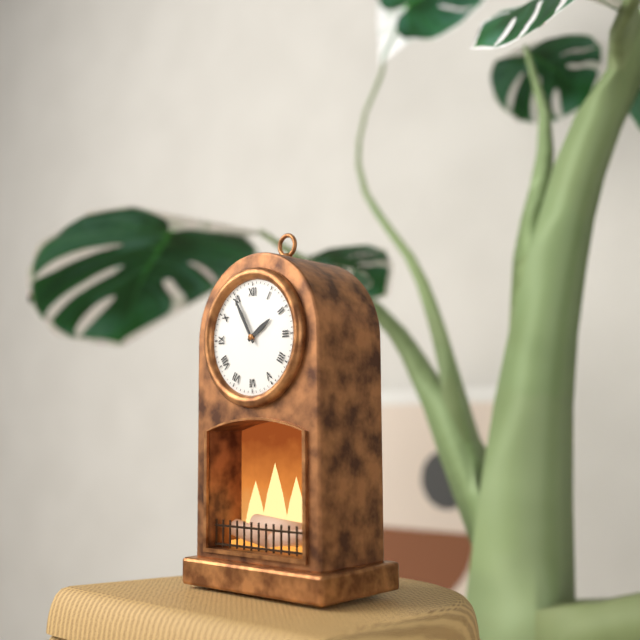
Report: 1:55
